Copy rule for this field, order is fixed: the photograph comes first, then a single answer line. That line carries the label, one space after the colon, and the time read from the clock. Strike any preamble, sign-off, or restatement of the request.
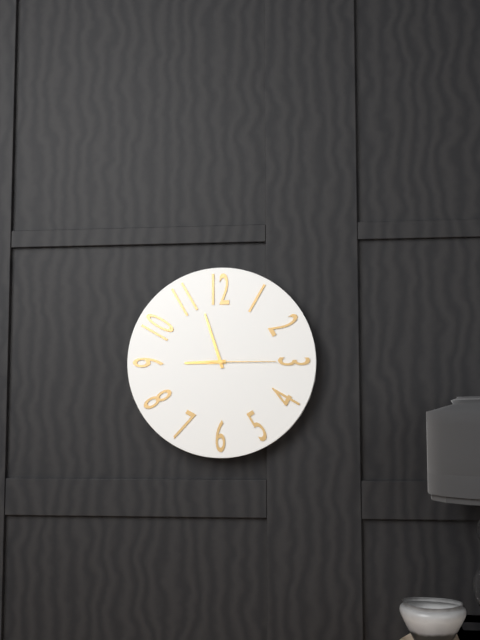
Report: 8:57:15
